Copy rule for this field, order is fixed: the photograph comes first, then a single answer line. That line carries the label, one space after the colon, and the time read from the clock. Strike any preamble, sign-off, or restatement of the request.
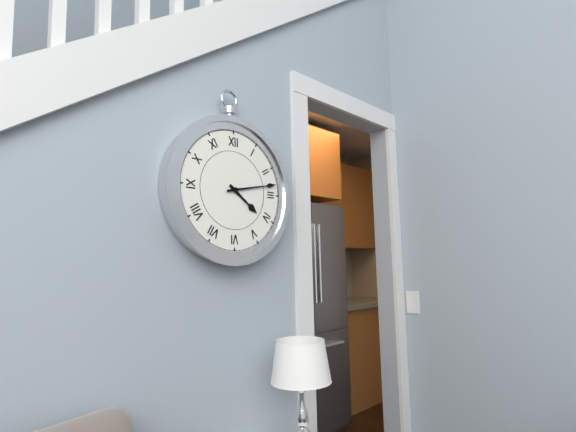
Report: 4:13
